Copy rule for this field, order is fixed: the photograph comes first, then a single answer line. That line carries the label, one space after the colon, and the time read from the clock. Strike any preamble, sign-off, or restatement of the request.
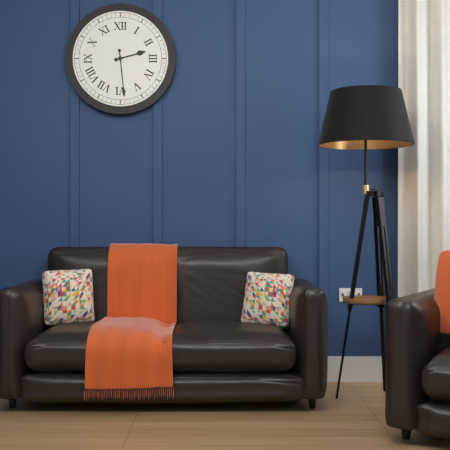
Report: 2:29
